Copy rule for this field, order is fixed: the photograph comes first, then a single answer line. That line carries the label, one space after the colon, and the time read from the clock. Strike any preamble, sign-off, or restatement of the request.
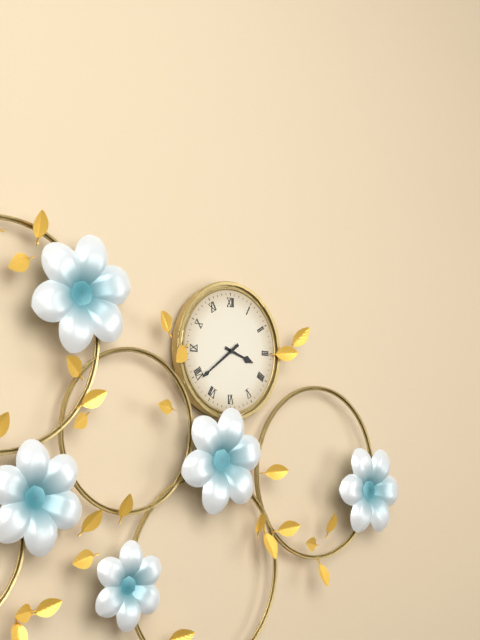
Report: 3:39
